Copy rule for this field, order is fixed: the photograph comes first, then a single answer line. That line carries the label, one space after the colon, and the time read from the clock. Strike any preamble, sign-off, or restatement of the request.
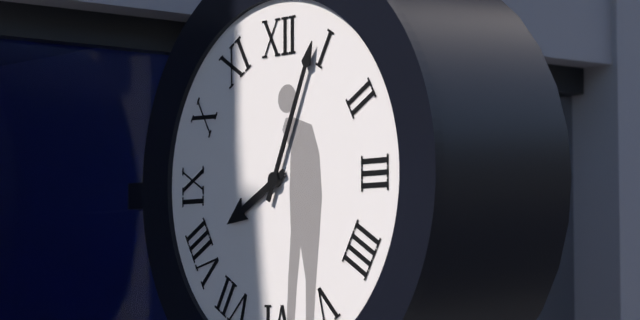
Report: 8:04
